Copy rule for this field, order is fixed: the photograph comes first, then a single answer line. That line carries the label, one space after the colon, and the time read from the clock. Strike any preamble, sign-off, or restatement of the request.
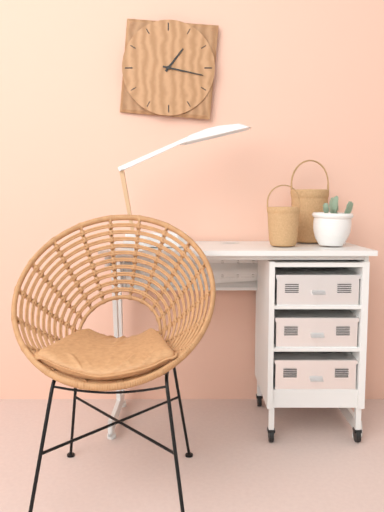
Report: 1:17
